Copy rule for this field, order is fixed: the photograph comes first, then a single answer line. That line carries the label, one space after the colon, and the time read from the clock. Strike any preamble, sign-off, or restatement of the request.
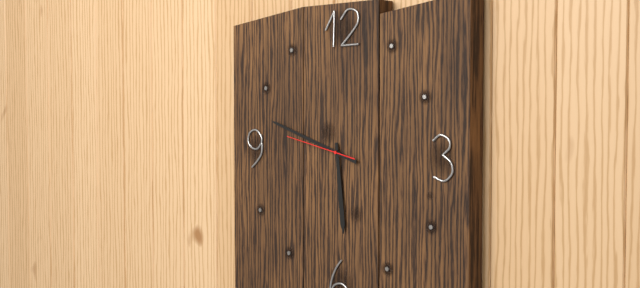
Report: 5:48:47
